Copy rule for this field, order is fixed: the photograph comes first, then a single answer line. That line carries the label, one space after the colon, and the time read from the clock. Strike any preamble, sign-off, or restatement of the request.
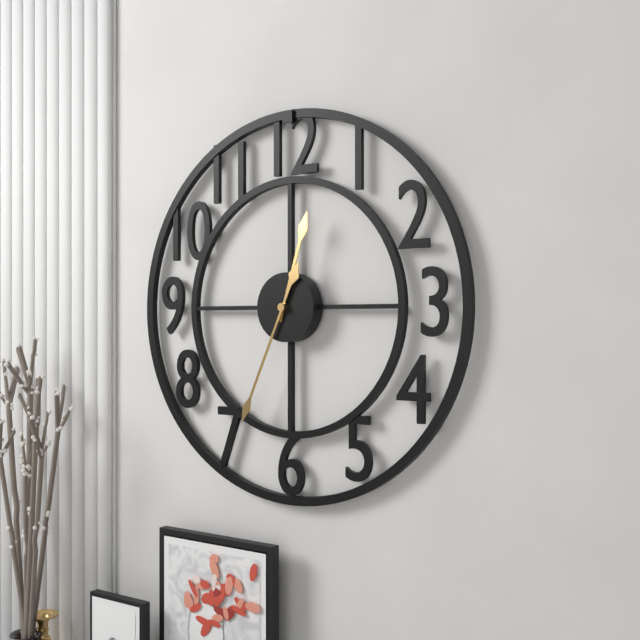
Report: 12:34
